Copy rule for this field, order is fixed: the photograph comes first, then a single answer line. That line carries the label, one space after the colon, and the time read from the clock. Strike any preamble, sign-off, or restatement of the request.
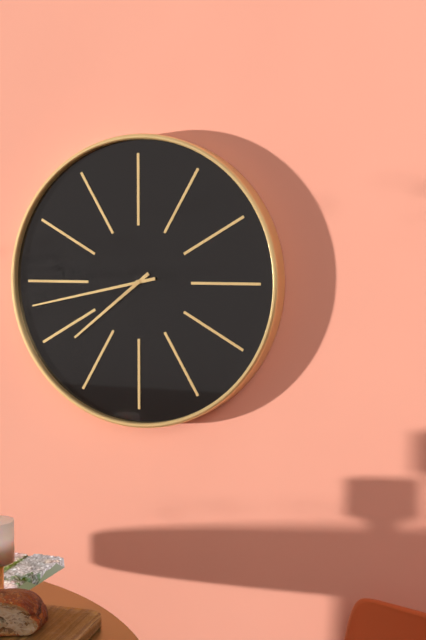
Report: 7:43
